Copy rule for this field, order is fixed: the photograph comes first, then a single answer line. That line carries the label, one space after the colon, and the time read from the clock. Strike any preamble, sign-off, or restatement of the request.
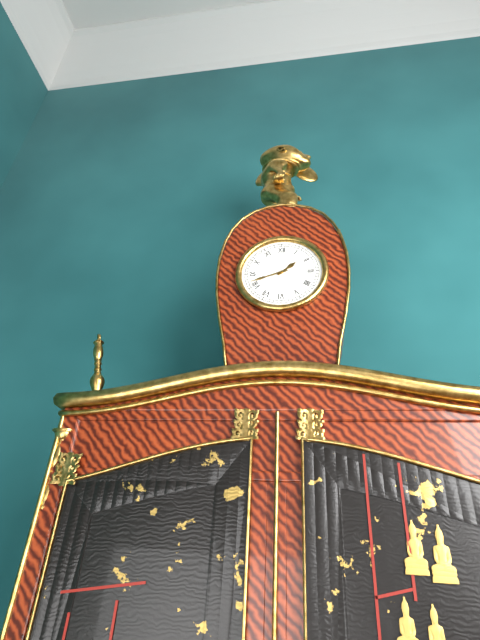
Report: 1:42
